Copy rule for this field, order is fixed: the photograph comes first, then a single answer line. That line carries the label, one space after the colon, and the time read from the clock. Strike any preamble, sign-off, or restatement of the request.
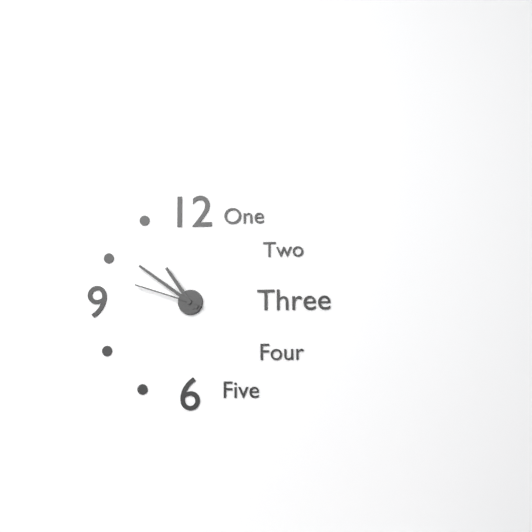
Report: 10:51:48
